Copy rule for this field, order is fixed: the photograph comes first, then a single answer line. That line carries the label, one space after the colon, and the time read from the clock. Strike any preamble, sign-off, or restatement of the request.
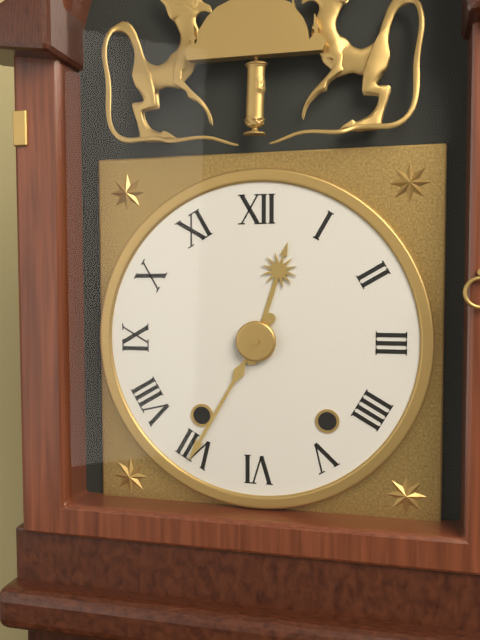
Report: 12:35
